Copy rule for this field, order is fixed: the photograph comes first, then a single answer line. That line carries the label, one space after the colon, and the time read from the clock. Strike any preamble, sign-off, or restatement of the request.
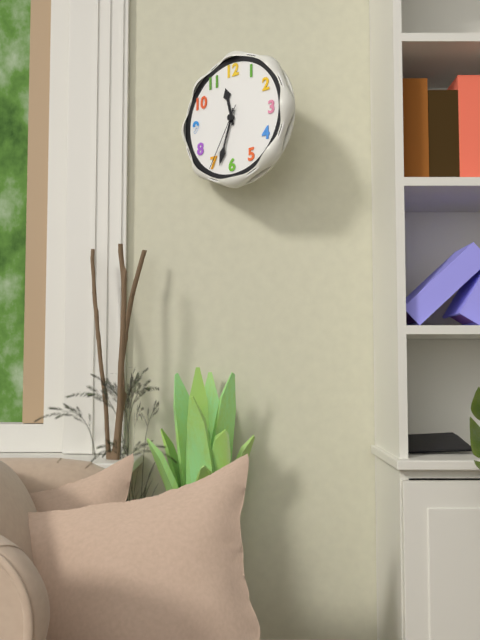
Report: 11:33:35
